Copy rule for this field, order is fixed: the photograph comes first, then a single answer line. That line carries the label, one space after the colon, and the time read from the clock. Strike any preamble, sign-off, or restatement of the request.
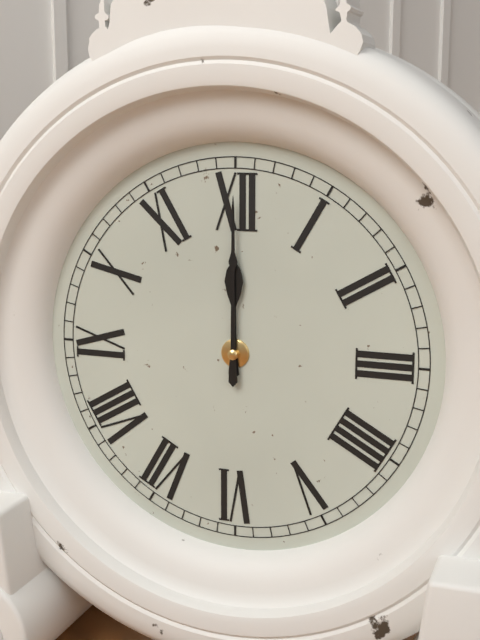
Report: 12:00
